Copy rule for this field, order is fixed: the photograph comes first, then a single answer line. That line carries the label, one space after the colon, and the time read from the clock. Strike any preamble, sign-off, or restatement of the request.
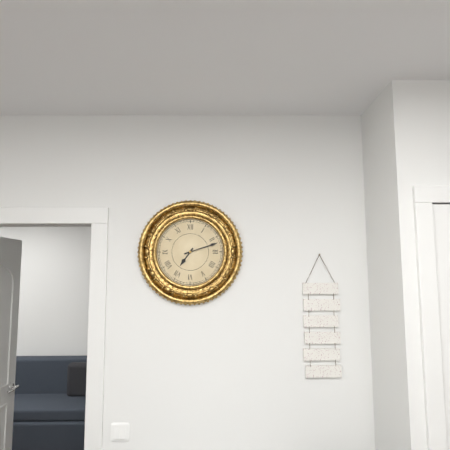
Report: 7:12
